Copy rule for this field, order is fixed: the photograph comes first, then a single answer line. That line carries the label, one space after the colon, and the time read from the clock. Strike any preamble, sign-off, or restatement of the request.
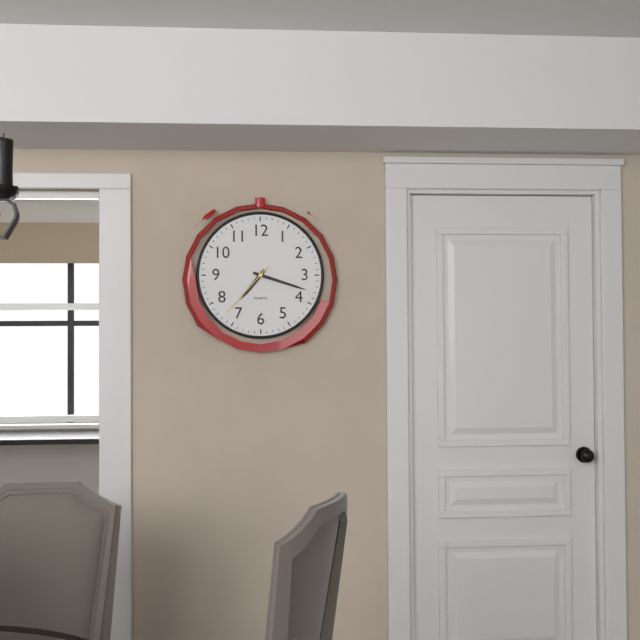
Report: 7:18:37
